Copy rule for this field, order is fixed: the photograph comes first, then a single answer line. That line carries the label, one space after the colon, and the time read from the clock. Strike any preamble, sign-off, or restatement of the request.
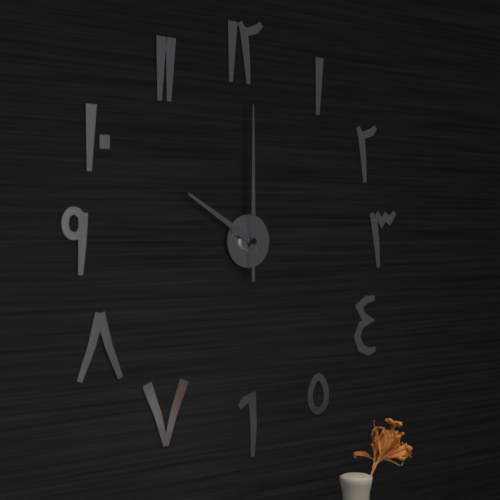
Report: 10:00
